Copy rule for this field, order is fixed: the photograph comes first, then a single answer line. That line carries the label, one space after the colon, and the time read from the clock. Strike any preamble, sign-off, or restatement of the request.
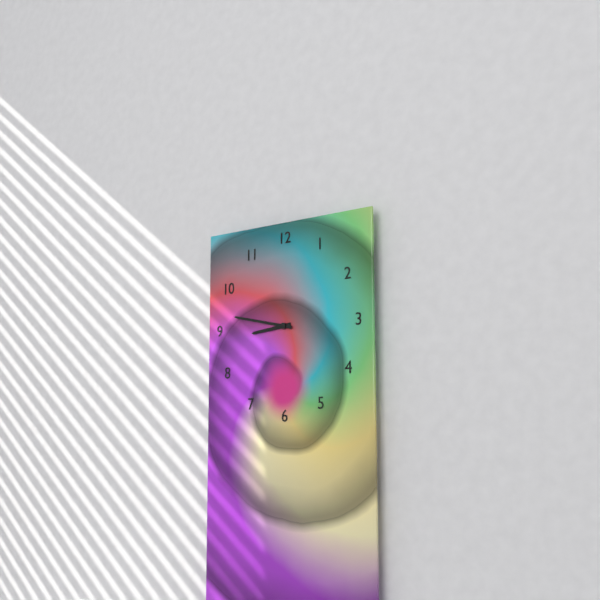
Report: 8:47
